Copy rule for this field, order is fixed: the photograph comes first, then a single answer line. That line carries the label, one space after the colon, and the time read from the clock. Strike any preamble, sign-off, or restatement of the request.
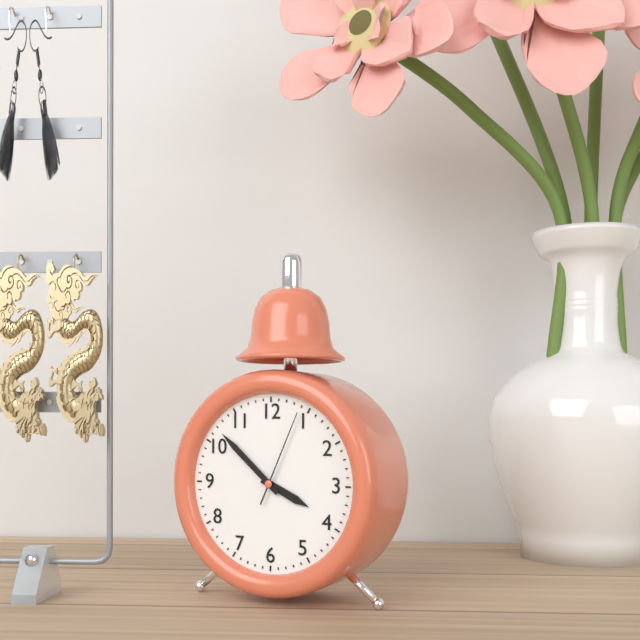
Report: 3:52:04
